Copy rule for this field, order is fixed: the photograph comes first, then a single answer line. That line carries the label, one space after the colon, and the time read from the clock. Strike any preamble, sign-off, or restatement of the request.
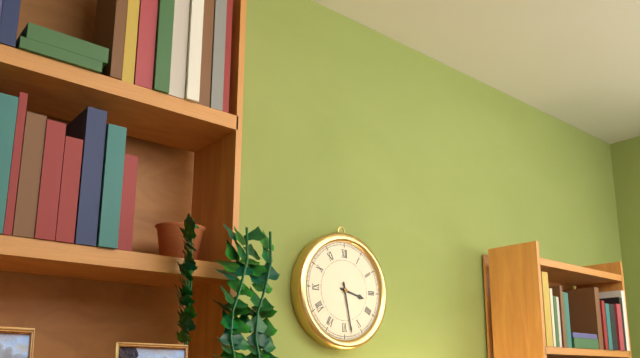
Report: 3:28
